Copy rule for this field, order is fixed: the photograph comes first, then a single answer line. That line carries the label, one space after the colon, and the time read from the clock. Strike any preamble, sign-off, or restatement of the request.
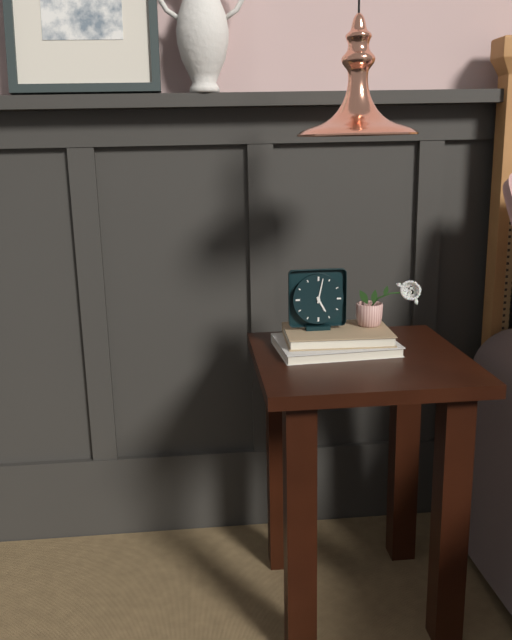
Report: 5:02
